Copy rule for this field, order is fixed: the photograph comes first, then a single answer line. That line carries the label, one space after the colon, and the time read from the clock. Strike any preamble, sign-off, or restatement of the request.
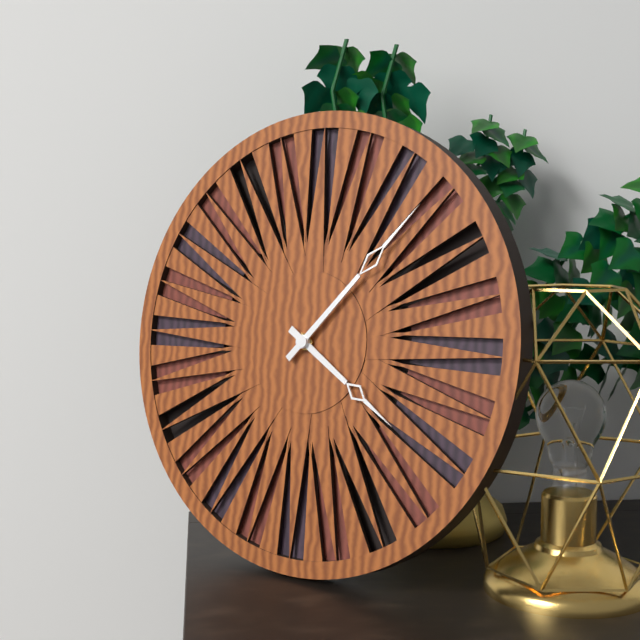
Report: 4:07
